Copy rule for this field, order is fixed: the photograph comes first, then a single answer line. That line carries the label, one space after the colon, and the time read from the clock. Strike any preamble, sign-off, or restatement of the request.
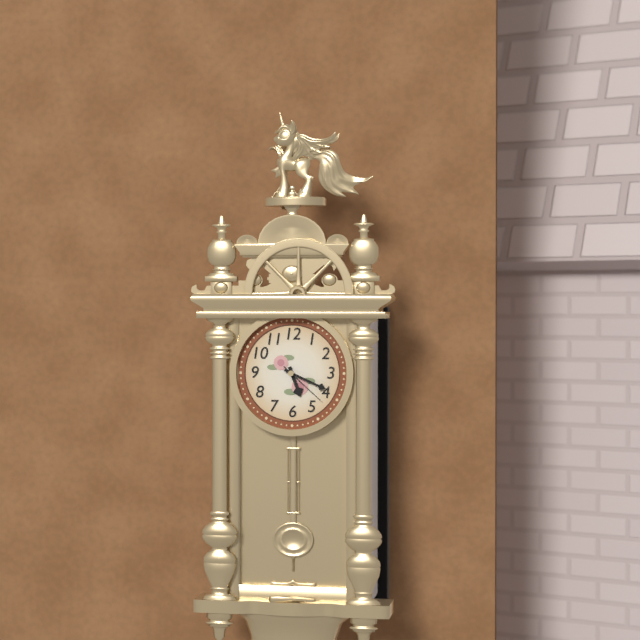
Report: 5:19
